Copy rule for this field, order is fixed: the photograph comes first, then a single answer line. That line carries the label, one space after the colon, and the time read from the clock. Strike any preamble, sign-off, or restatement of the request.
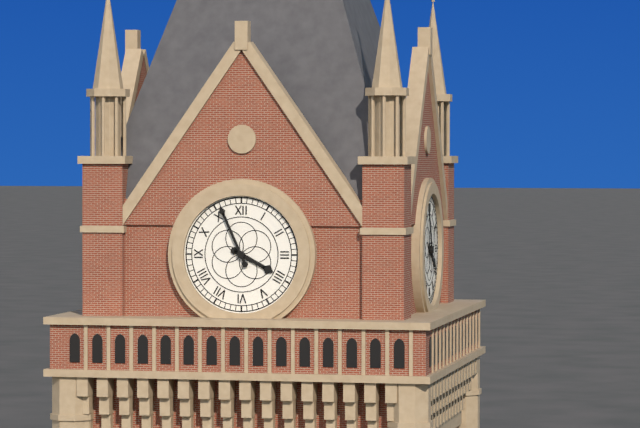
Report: 3:56
